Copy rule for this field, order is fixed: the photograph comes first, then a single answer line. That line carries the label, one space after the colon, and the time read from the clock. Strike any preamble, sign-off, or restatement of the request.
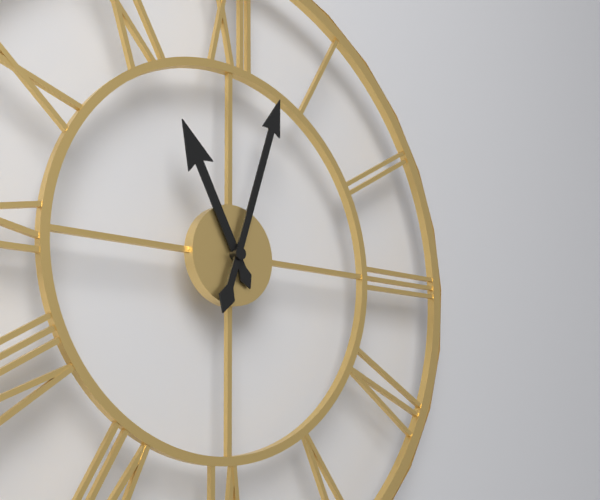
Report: 11:03
